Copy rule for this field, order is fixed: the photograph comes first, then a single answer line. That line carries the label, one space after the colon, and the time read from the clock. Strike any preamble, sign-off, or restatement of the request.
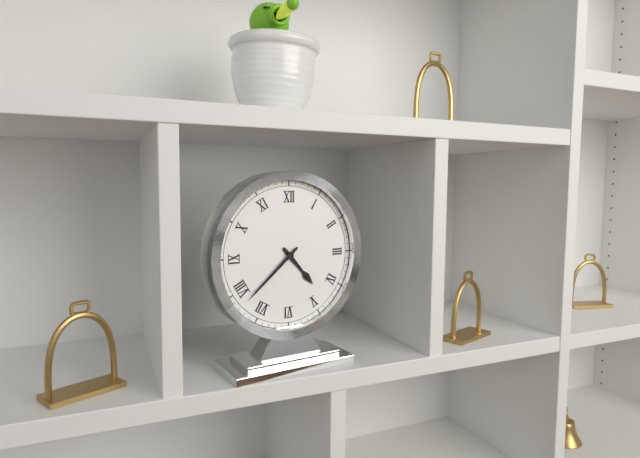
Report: 4:38
